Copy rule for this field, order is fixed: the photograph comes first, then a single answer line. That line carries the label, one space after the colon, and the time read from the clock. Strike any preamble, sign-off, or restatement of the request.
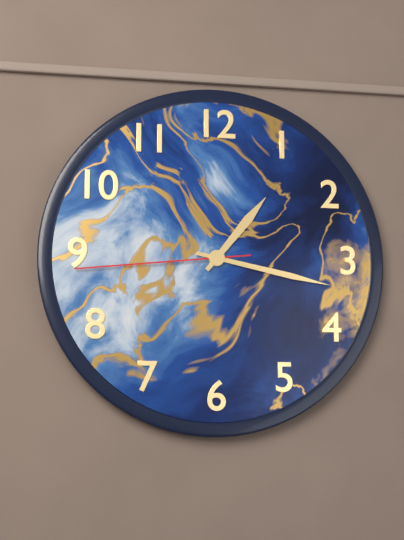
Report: 1:17:44
